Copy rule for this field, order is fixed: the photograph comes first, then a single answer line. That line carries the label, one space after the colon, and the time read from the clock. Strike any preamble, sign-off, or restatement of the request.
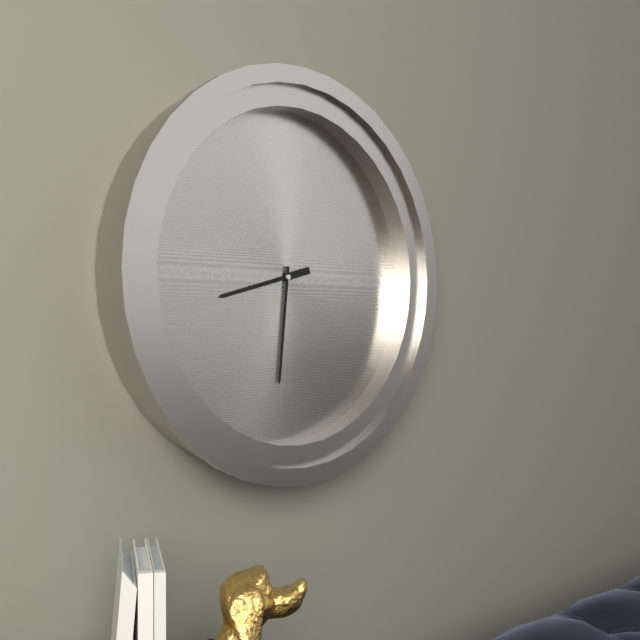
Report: 8:31
